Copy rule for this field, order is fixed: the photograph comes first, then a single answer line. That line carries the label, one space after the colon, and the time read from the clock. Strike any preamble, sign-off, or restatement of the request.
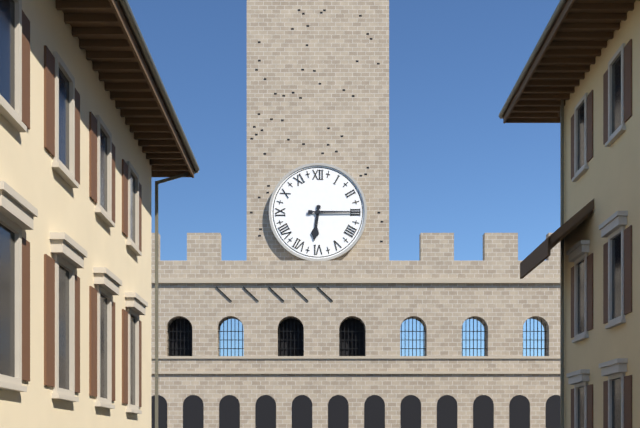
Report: 6:15
